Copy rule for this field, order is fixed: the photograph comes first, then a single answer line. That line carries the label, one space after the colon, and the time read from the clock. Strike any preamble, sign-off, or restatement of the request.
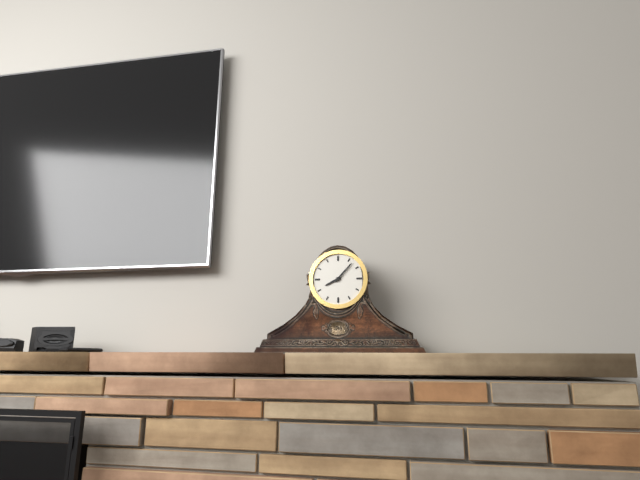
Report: 8:07
